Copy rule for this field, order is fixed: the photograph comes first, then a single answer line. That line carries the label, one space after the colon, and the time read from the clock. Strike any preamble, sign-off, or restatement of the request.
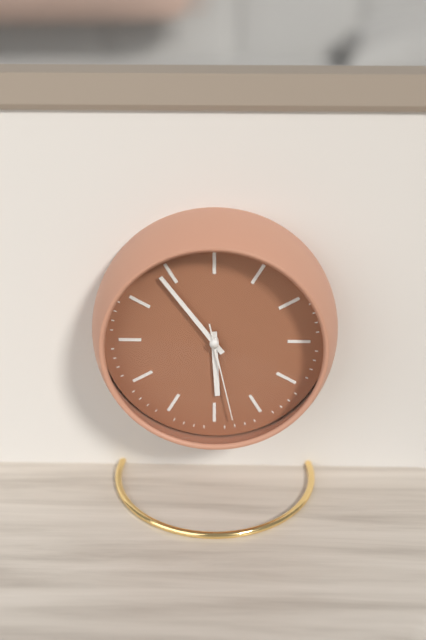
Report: 5:54:28
